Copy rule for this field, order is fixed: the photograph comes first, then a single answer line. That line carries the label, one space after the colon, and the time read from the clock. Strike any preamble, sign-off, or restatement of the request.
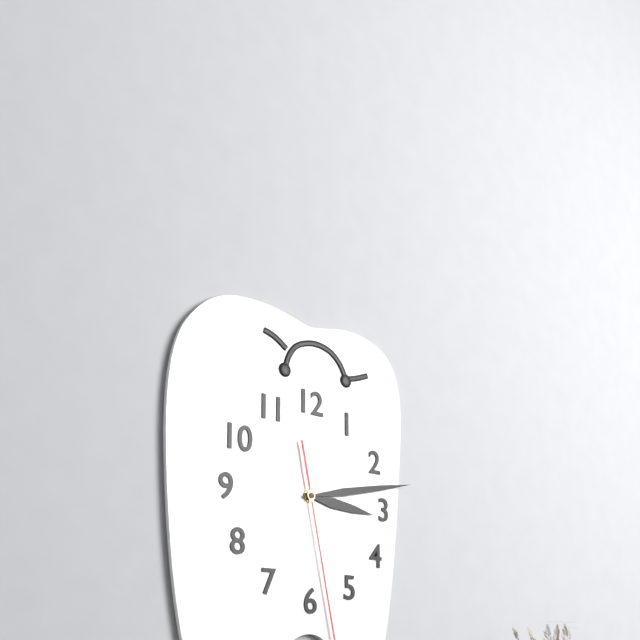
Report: 3:13
